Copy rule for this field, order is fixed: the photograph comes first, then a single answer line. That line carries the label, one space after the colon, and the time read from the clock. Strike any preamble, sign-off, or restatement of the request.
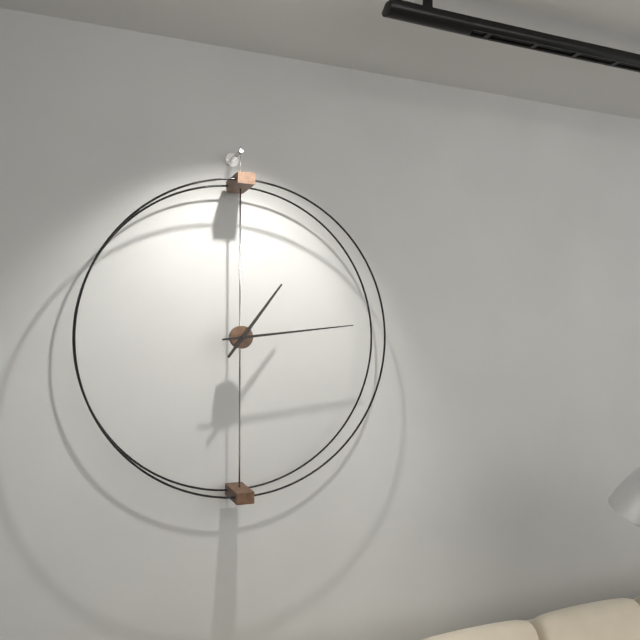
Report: 1:14
